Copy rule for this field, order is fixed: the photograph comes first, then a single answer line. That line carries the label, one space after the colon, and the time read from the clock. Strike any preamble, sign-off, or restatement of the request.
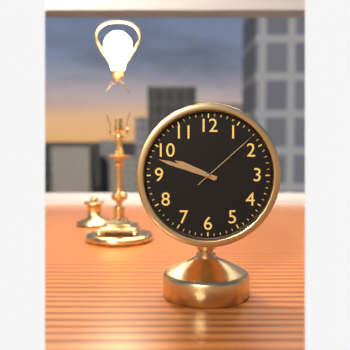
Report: 9:48:08
